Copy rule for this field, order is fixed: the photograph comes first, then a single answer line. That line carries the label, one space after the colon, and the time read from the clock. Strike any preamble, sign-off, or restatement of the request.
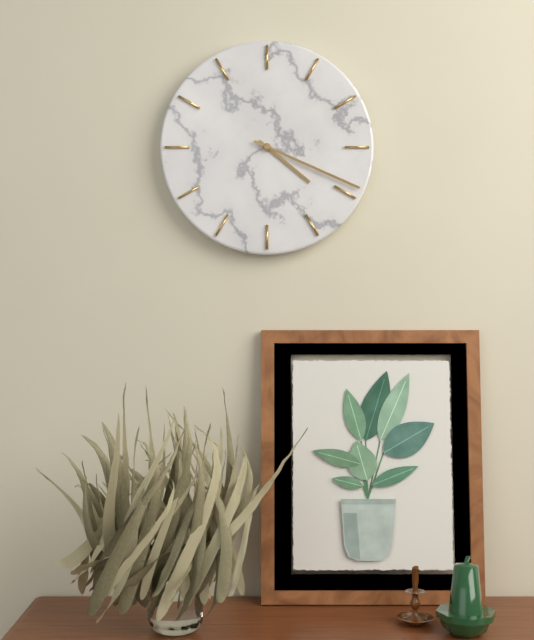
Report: 4:19
